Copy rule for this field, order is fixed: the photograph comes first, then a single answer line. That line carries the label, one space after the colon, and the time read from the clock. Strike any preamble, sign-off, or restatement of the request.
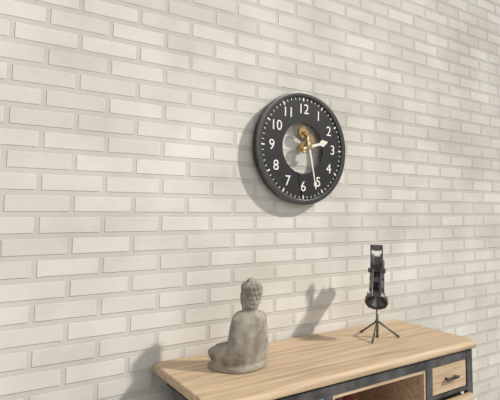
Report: 2:28
